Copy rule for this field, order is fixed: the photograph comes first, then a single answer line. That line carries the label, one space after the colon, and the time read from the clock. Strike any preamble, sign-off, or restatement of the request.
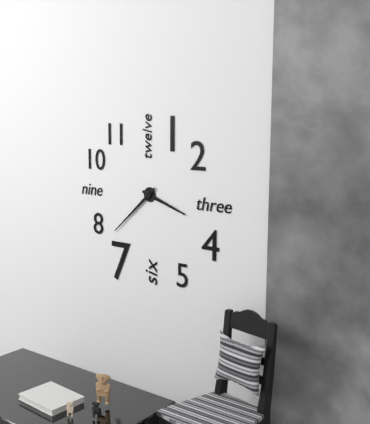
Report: 3:38
